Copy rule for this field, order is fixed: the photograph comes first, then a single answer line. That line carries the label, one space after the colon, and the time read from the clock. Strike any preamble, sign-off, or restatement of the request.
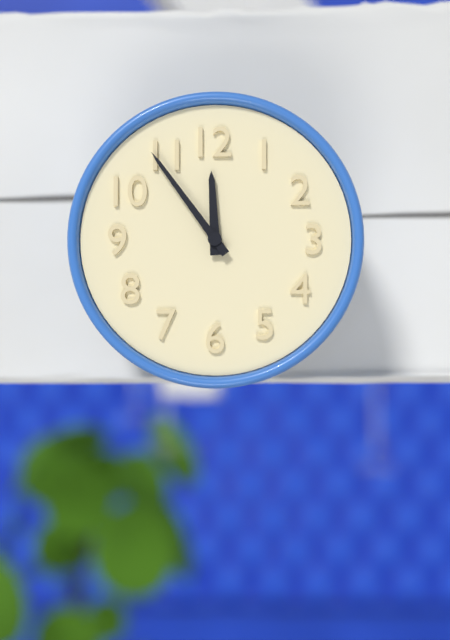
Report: 11:54
